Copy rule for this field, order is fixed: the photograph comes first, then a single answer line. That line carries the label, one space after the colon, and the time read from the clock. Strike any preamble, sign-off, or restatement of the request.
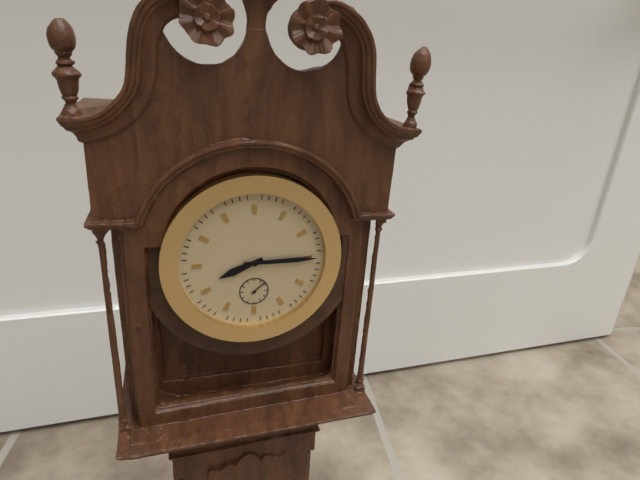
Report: 8:15
